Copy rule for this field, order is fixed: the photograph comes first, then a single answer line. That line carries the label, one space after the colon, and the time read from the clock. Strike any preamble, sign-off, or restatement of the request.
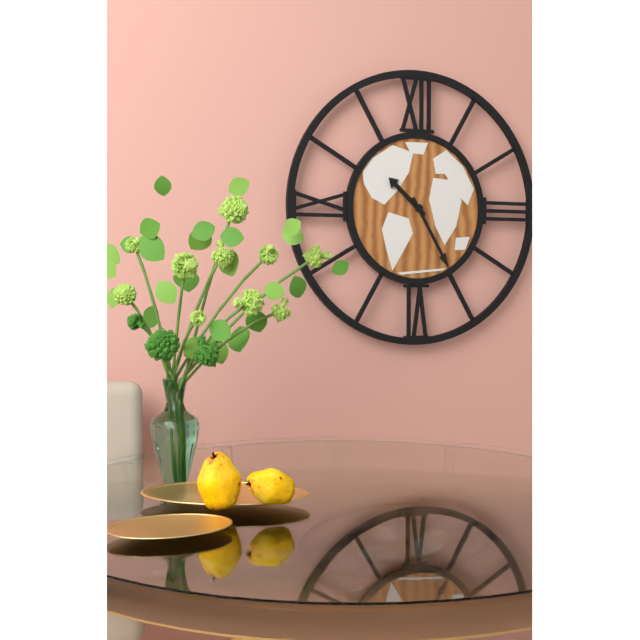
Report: 10:25
